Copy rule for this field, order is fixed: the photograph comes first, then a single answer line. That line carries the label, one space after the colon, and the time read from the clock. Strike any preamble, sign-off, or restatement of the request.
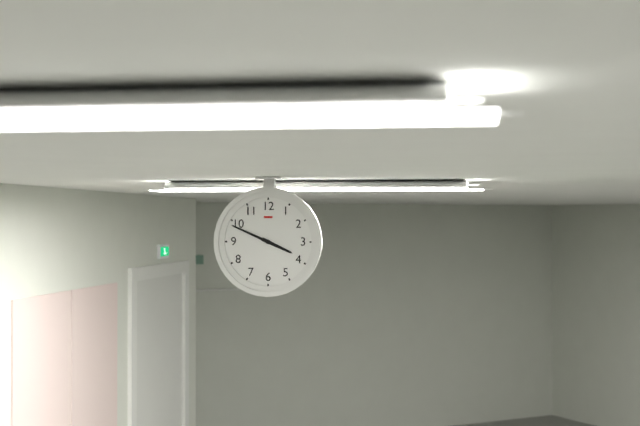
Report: 3:49
